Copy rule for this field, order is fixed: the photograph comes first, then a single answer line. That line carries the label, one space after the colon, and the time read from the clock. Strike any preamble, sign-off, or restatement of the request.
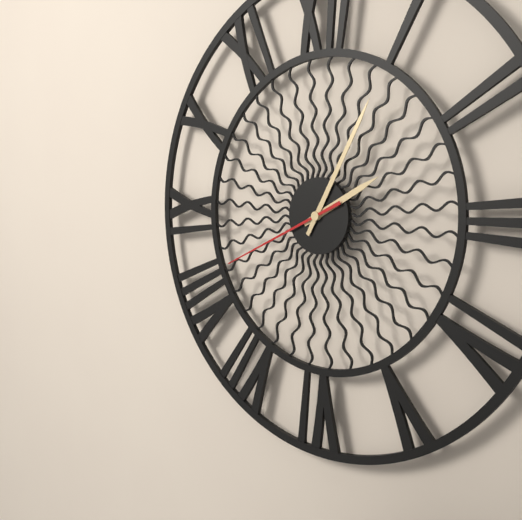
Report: 2:05:41
